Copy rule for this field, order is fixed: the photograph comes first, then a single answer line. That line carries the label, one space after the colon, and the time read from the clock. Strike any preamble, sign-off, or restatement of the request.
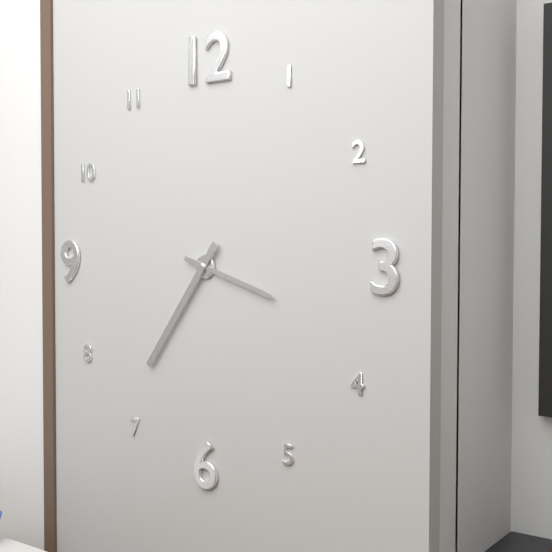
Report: 3:36
